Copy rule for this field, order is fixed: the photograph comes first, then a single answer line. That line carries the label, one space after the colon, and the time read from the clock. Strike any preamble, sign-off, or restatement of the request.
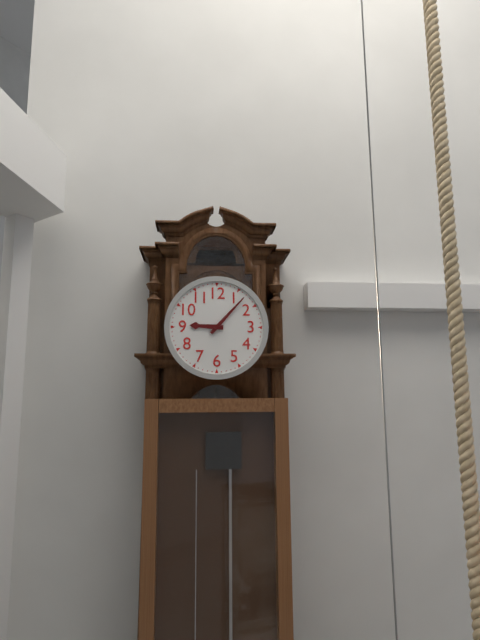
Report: 9:07
